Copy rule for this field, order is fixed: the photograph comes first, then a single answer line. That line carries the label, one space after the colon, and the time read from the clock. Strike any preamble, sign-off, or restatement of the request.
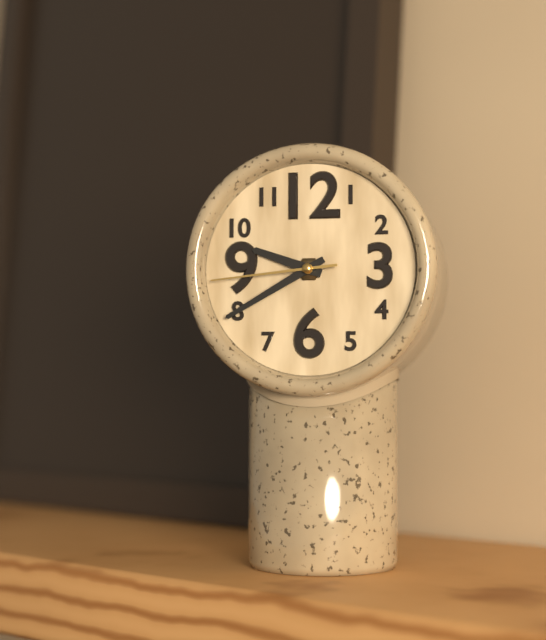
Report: 9:40:44
